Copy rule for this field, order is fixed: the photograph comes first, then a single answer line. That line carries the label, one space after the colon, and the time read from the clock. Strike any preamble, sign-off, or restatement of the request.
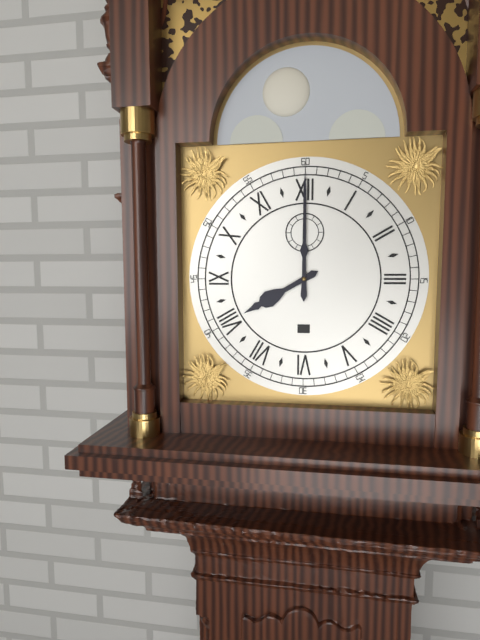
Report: 8:00
